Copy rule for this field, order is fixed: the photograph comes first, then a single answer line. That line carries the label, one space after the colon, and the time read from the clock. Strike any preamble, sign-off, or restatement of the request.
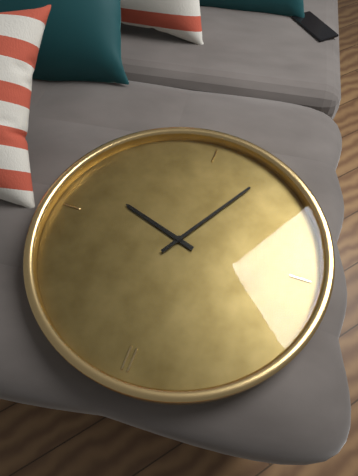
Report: 3:35
